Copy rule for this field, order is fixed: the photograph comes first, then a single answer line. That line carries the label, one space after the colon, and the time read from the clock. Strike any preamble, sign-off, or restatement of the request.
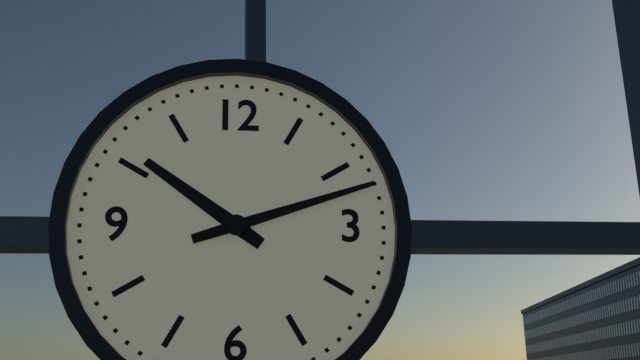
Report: 10:12
